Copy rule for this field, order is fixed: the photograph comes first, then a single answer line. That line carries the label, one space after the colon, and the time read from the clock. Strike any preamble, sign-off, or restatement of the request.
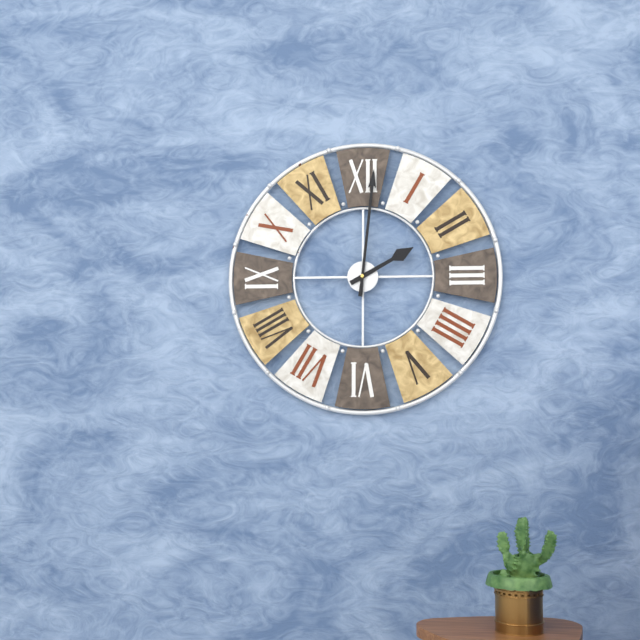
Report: 2:01
